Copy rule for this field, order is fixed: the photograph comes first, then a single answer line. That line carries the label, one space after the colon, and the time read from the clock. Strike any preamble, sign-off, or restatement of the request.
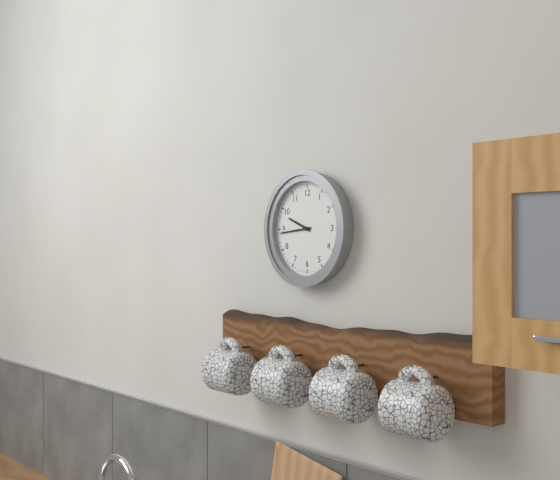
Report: 9:44
